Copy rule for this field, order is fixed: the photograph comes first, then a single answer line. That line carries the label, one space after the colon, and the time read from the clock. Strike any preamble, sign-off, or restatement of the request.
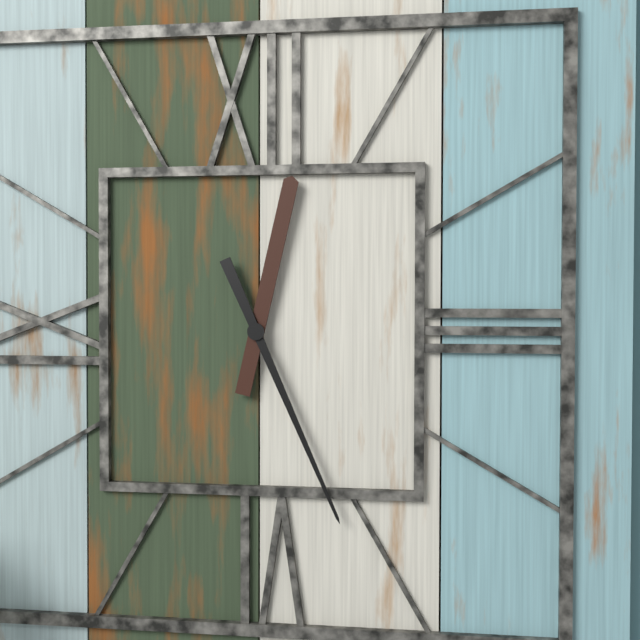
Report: 12:26
